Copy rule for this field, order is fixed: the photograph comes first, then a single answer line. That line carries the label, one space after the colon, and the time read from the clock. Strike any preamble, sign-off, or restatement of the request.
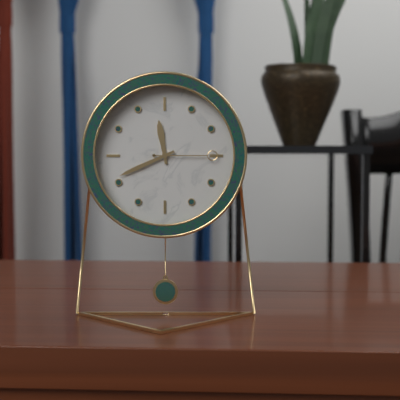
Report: 11:41:15
